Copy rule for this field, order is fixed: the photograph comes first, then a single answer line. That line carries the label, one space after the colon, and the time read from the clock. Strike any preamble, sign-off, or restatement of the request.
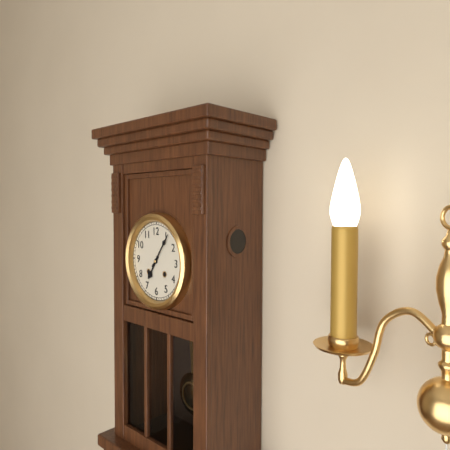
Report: 7:06
